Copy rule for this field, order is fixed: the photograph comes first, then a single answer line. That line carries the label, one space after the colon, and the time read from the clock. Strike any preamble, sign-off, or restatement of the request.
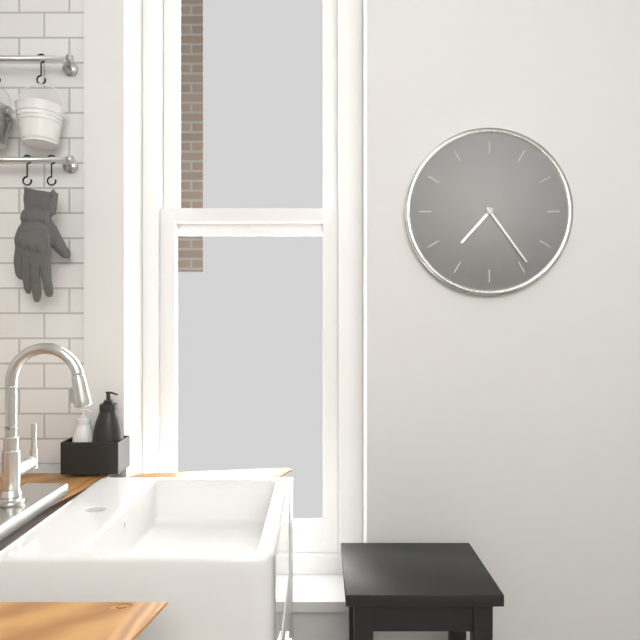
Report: 7:24
